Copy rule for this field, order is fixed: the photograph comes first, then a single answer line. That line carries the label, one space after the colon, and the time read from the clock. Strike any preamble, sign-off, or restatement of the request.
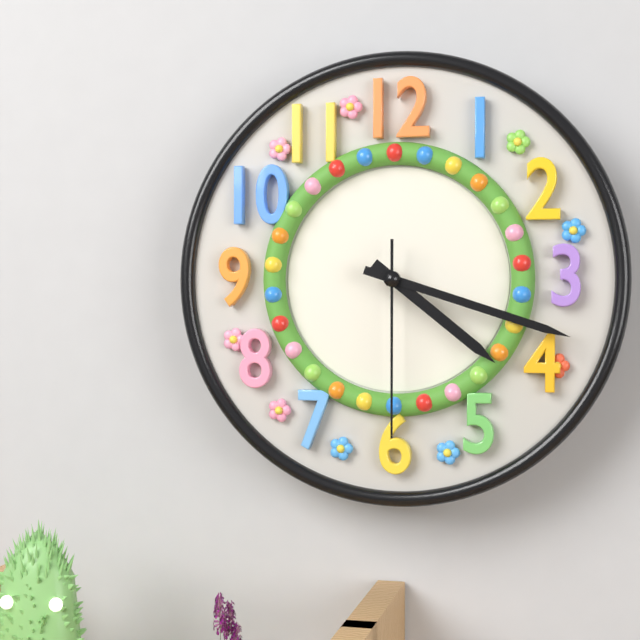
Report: 4:18:30
